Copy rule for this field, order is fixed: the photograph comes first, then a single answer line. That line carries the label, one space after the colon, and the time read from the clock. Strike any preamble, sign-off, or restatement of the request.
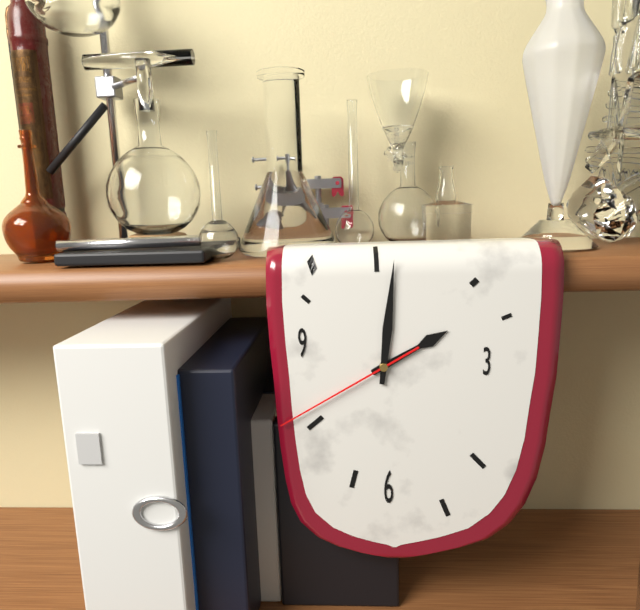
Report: 2:01:40
